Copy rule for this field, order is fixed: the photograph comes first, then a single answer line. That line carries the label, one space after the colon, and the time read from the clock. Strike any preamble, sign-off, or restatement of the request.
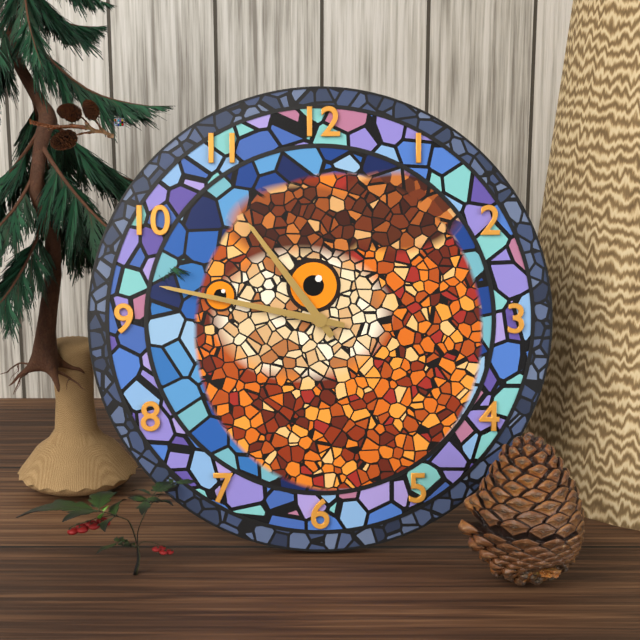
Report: 10:47
